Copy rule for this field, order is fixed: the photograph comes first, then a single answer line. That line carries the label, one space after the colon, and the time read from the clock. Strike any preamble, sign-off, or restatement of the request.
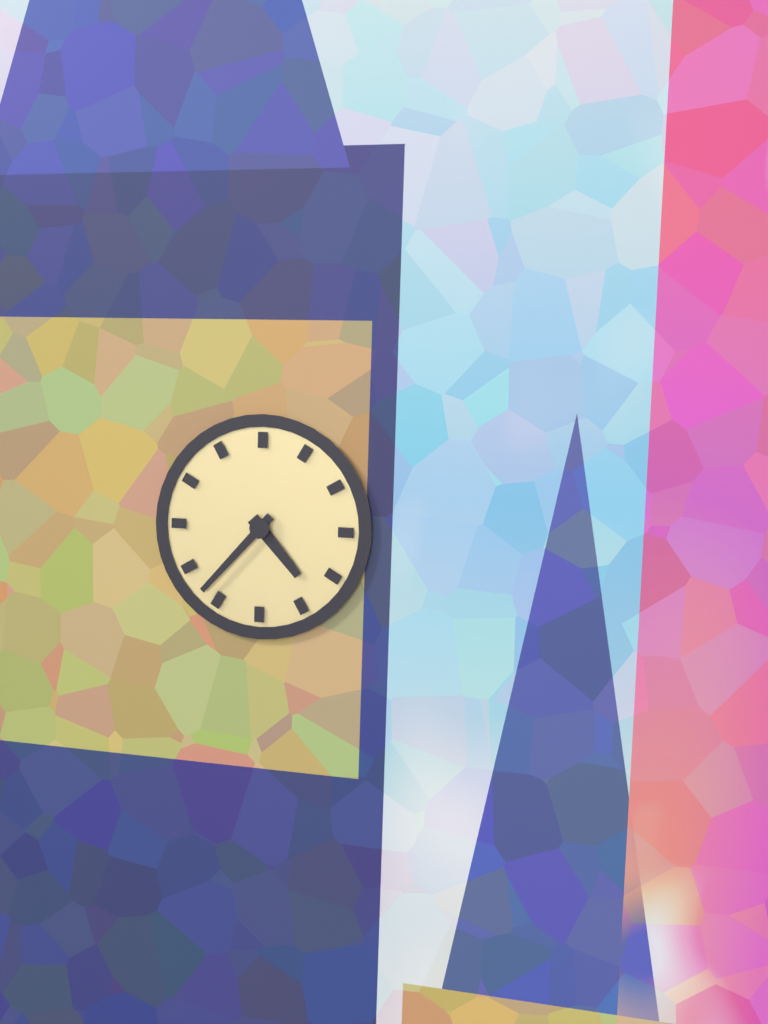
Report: 4:37
